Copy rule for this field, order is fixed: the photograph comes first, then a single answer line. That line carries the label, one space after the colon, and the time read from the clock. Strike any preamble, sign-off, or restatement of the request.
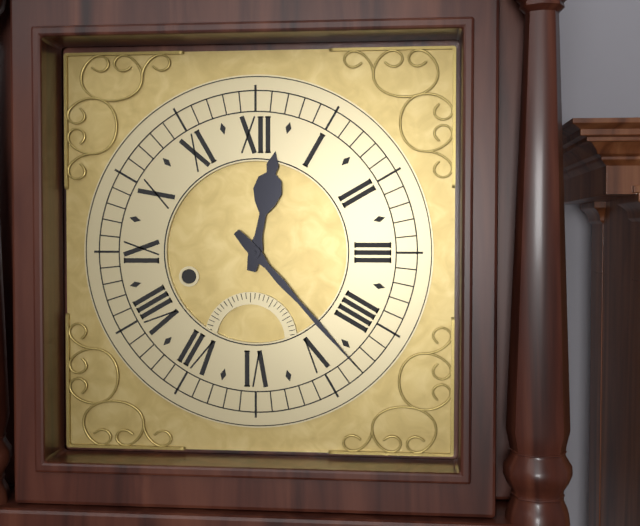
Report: 12:23
